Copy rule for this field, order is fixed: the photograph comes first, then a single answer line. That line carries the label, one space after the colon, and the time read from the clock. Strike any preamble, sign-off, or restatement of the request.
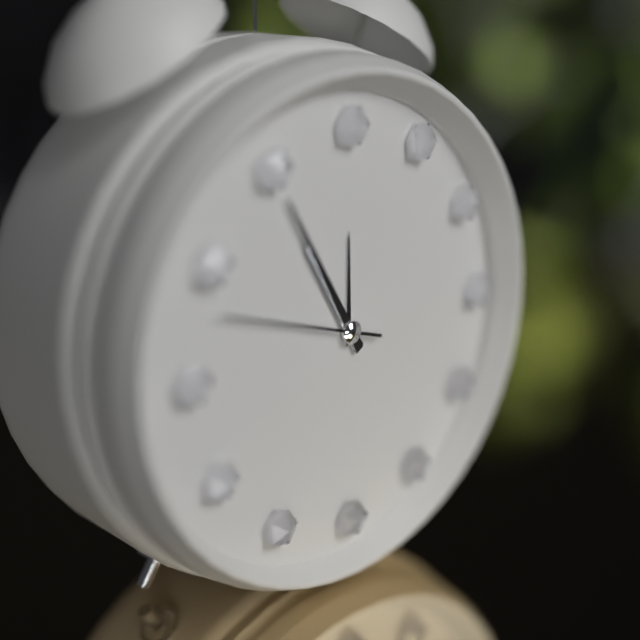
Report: 10:55:48
